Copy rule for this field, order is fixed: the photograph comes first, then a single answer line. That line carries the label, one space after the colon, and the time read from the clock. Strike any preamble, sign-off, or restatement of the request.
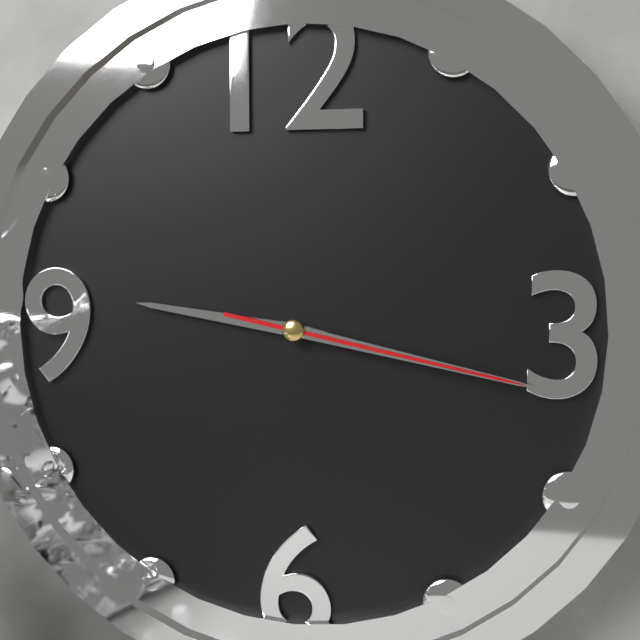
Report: 9:17:17
